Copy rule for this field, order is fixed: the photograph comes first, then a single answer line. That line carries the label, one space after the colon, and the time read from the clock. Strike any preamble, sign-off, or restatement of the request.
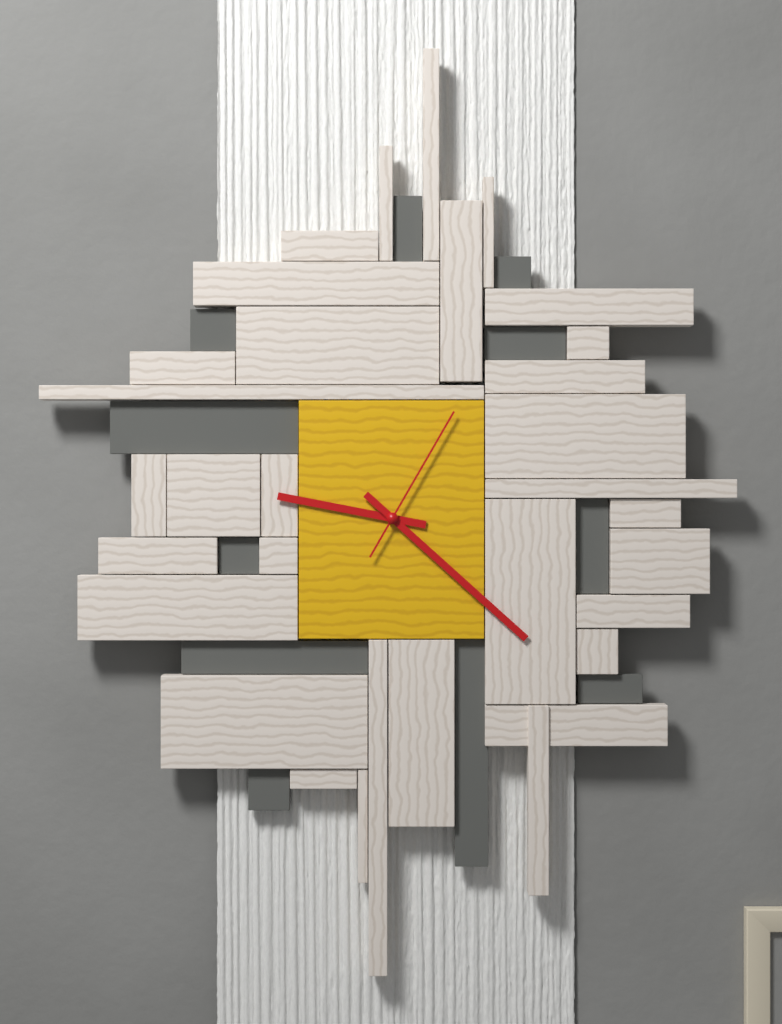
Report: 9:22:05
